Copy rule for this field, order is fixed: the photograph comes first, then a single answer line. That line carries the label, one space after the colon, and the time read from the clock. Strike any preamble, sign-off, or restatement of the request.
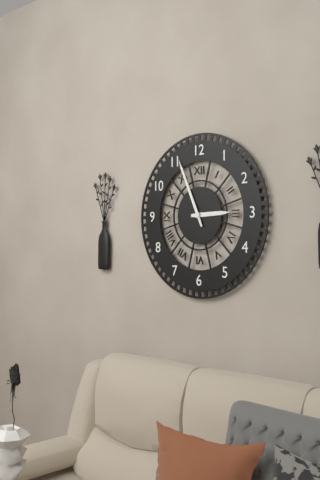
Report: 2:56
